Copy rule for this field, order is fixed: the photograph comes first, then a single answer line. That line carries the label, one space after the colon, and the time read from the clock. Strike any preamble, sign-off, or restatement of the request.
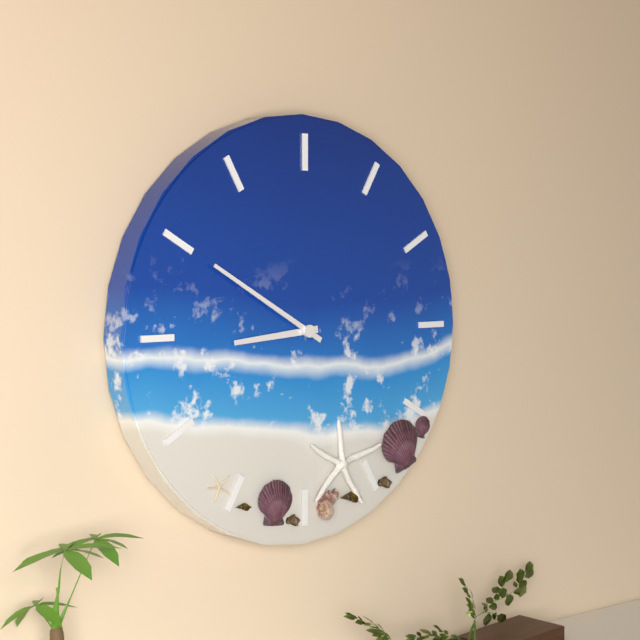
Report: 8:50
